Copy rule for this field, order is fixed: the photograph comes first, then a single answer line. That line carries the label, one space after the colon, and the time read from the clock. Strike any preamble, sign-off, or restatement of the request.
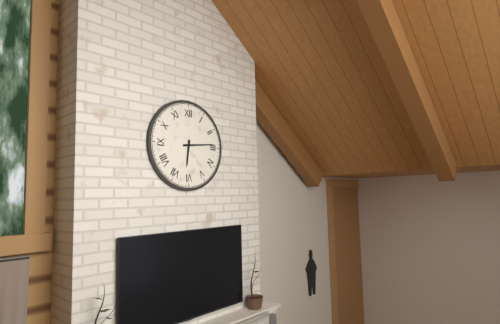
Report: 6:14
